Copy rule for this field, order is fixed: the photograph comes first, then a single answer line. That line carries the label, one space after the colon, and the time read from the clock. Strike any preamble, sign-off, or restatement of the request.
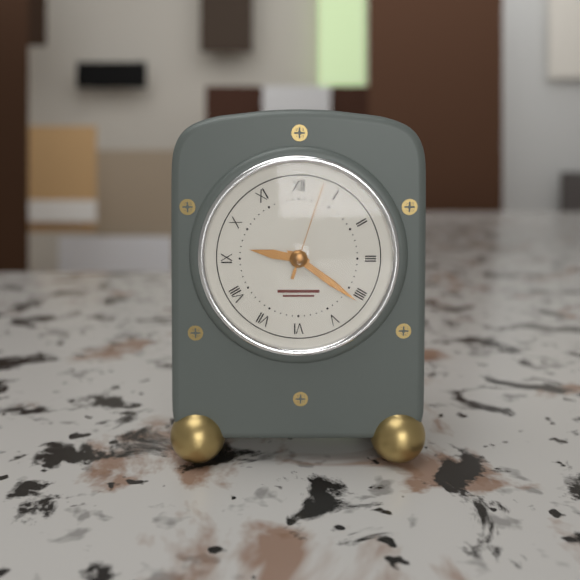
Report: 9:21:03
